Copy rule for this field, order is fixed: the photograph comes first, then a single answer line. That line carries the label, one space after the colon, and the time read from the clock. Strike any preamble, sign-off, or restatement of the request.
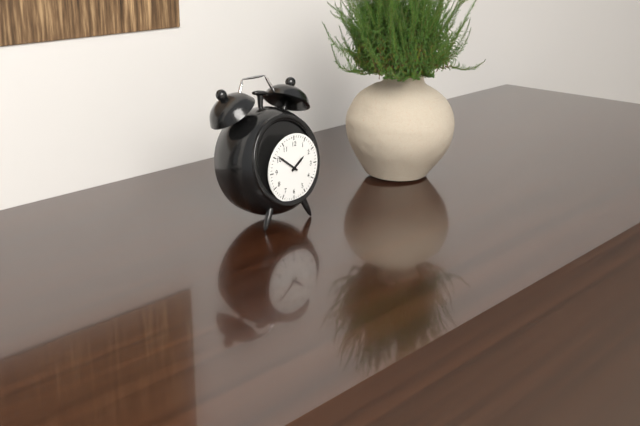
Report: 1:51
